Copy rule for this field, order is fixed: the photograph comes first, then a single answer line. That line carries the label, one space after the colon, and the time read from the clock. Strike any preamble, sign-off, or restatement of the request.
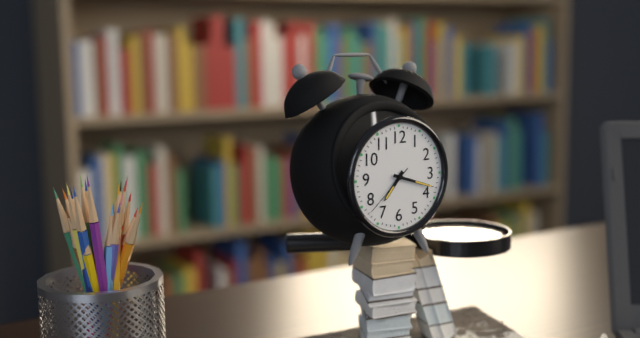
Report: 7:18:38
